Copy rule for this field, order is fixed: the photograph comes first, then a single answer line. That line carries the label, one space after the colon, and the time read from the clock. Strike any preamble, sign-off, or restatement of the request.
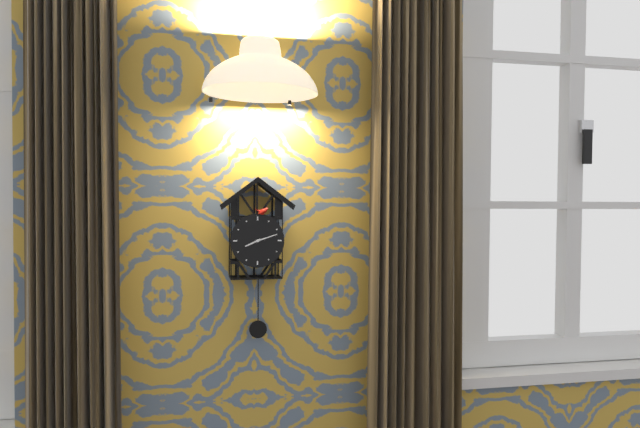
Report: 8:12
